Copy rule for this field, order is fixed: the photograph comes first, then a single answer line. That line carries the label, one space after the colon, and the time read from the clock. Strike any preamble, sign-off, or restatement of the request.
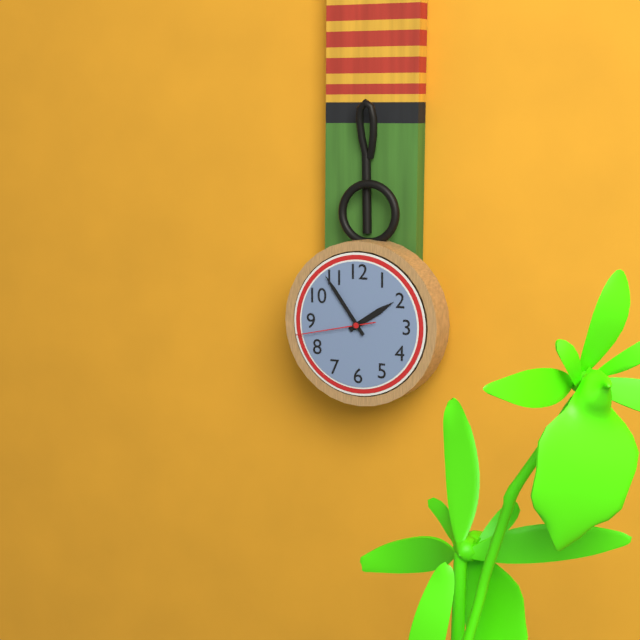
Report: 1:54:43
